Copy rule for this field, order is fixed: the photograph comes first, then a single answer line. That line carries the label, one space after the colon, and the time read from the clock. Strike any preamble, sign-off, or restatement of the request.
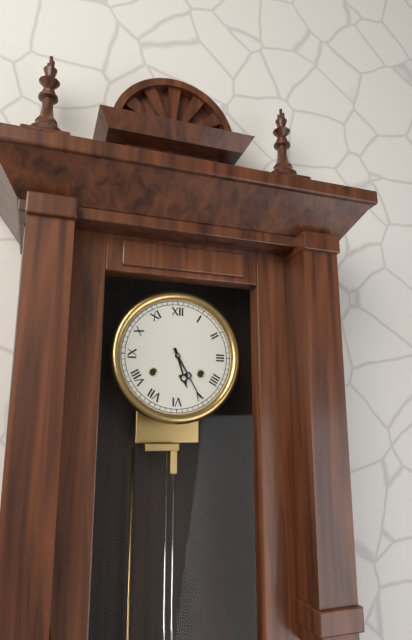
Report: 5:25
